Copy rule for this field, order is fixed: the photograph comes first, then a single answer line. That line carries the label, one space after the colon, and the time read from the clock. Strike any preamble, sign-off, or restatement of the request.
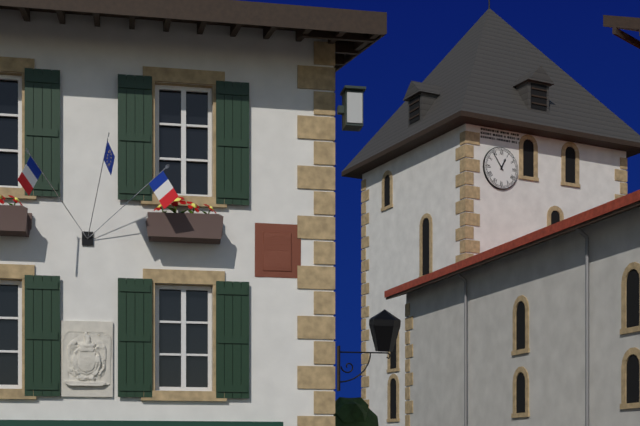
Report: 12:54
